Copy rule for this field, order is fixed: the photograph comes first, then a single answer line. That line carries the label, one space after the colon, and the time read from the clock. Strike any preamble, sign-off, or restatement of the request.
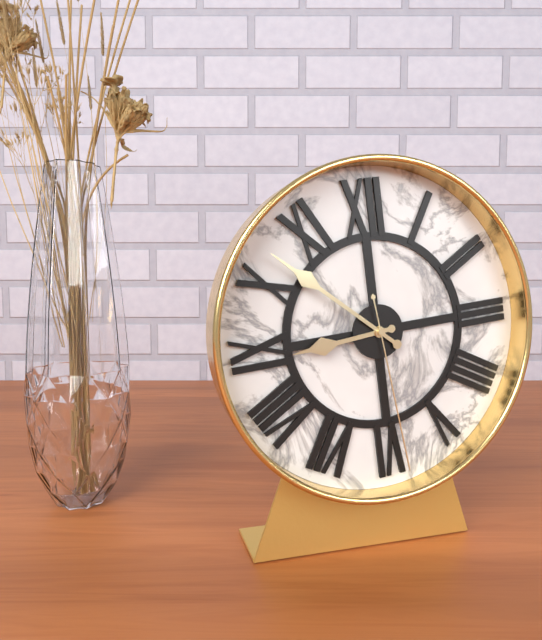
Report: 8:52:29
